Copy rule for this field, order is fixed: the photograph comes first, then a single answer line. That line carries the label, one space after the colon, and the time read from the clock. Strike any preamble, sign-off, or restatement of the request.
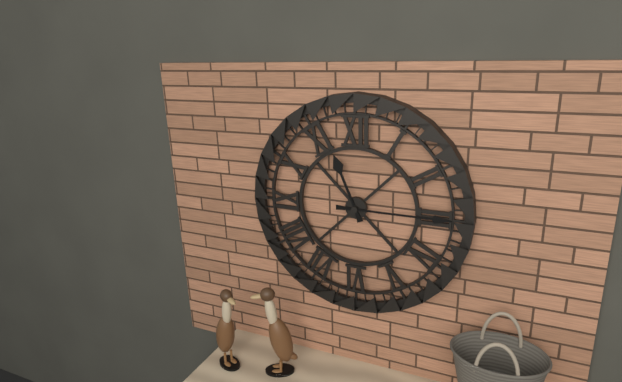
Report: 11:15
